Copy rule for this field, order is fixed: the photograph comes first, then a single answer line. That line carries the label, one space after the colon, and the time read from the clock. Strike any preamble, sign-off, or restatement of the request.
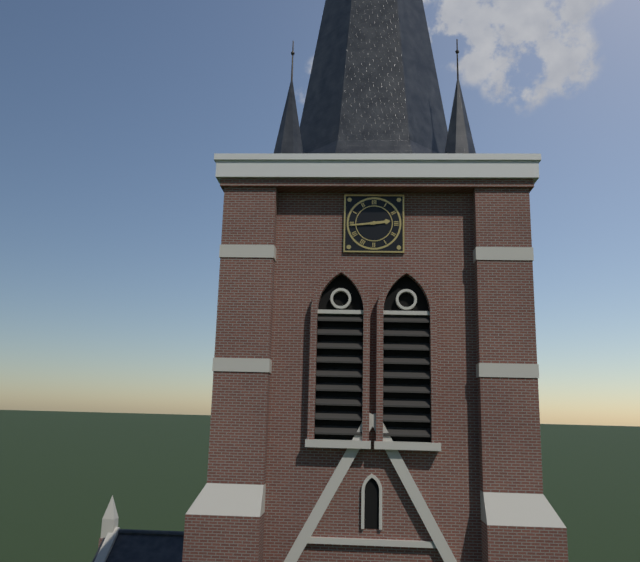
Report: 2:44
